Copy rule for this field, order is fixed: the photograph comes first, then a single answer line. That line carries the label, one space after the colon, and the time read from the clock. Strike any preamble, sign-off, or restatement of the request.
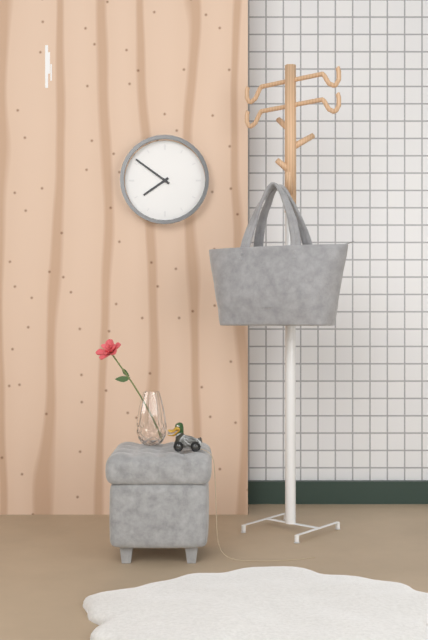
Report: 7:51
